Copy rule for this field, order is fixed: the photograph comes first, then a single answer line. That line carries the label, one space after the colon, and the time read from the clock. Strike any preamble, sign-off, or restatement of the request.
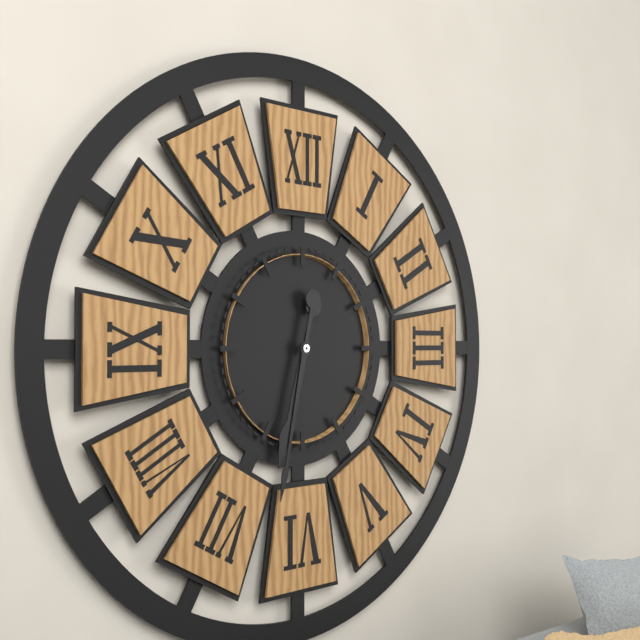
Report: 6:32
